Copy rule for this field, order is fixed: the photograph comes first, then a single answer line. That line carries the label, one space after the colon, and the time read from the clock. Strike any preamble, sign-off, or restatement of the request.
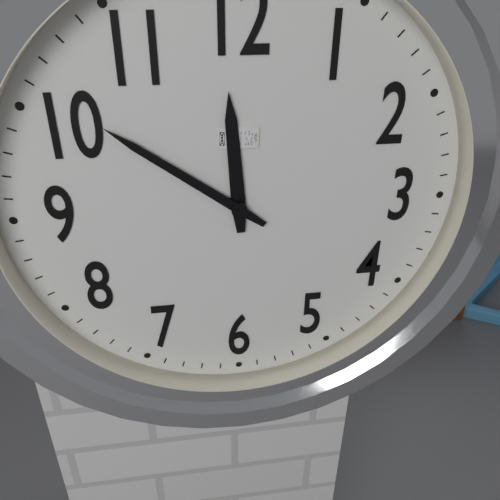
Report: 11:51
